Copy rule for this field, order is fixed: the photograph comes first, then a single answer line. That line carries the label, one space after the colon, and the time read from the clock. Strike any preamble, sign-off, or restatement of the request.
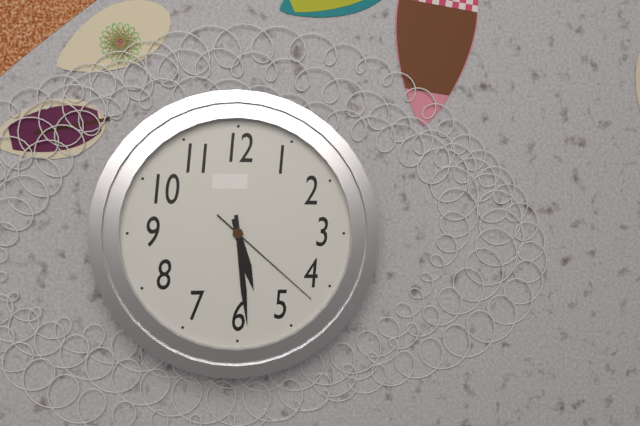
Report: 5:29:22
